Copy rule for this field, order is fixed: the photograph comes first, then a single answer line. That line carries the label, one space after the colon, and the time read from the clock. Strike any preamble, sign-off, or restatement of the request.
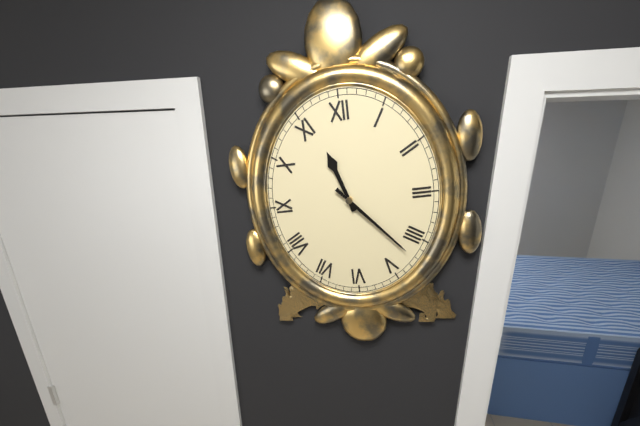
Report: 11:23
